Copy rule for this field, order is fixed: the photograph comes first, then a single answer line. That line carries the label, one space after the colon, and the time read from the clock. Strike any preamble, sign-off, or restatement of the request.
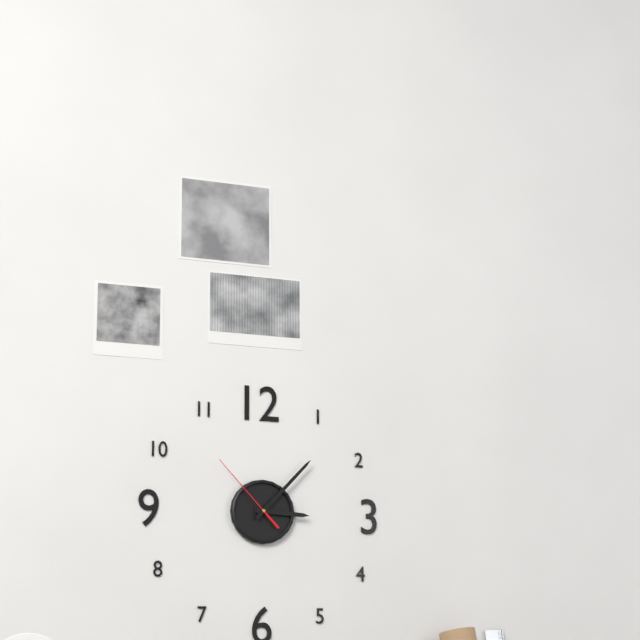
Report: 3:07:53
